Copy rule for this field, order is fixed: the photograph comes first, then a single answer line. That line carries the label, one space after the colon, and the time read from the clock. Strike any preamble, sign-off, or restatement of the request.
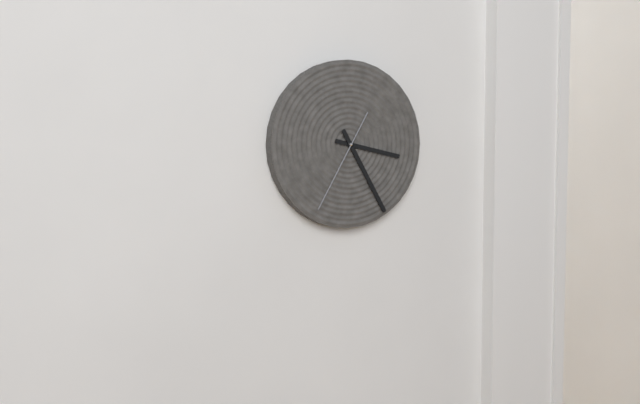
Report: 3:25:35
